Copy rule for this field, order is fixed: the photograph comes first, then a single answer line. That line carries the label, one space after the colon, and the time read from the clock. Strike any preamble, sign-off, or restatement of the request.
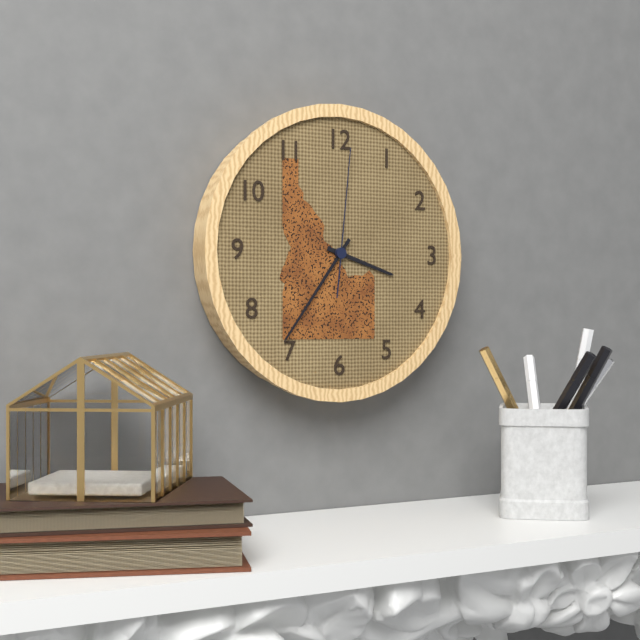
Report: 3:36:01
